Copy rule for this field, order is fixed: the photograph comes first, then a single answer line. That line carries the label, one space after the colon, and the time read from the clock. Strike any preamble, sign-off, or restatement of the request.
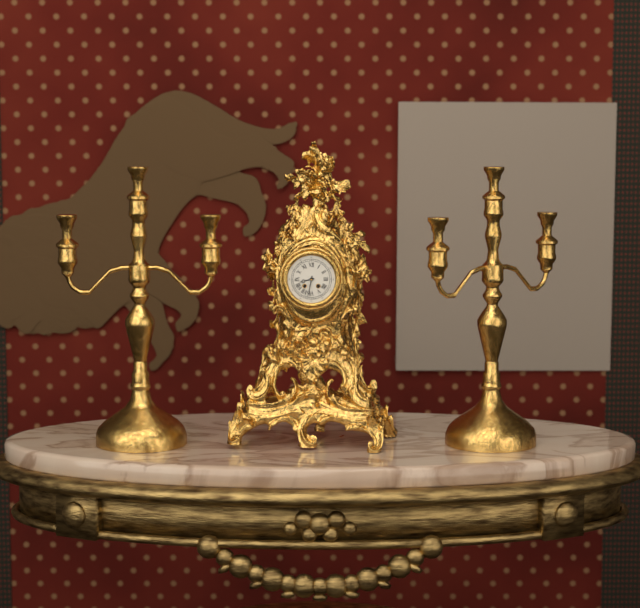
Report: 8:32
